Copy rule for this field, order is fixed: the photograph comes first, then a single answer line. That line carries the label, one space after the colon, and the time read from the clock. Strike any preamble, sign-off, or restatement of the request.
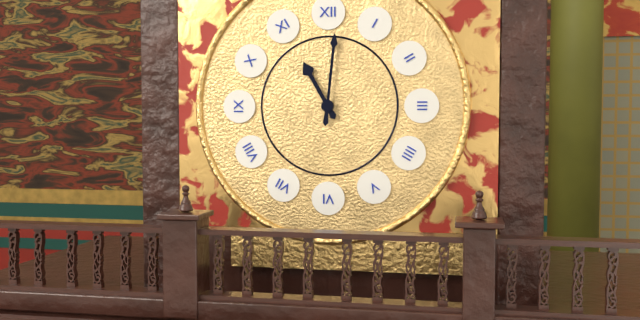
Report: 11:01
